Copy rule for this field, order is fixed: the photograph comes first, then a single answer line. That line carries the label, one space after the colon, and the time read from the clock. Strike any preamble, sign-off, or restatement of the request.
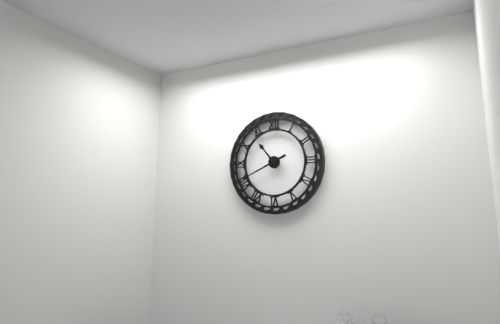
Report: 10:41
